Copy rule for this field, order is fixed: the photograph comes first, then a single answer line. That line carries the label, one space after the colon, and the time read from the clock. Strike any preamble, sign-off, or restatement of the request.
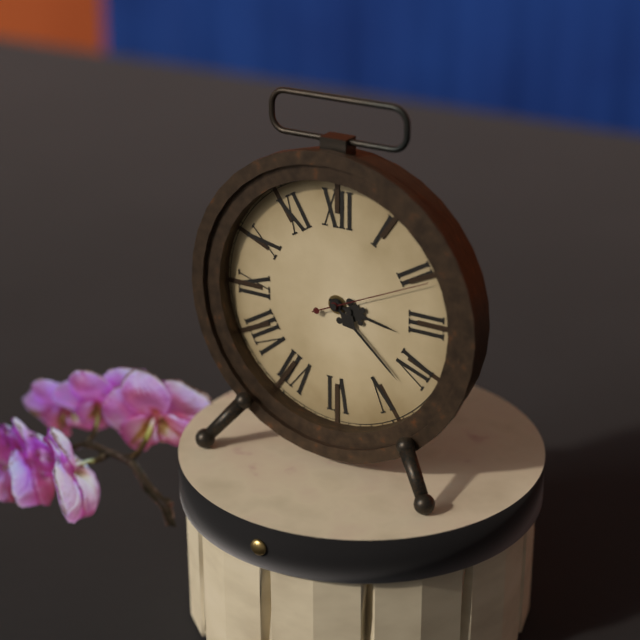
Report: 3:22:11
